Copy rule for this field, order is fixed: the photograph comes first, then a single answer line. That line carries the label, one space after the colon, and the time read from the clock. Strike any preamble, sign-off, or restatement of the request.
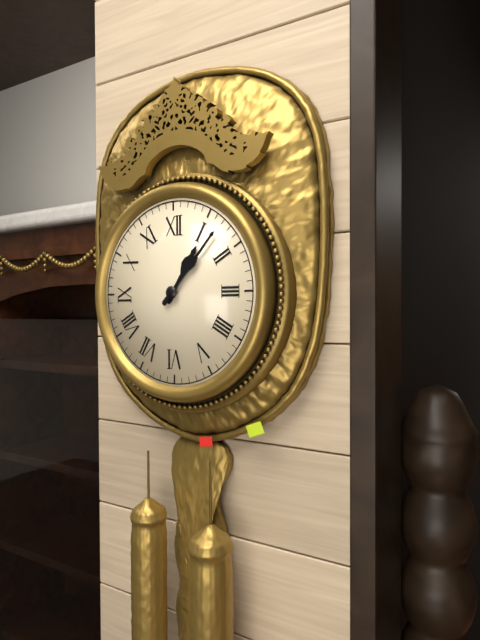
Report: 1:07
